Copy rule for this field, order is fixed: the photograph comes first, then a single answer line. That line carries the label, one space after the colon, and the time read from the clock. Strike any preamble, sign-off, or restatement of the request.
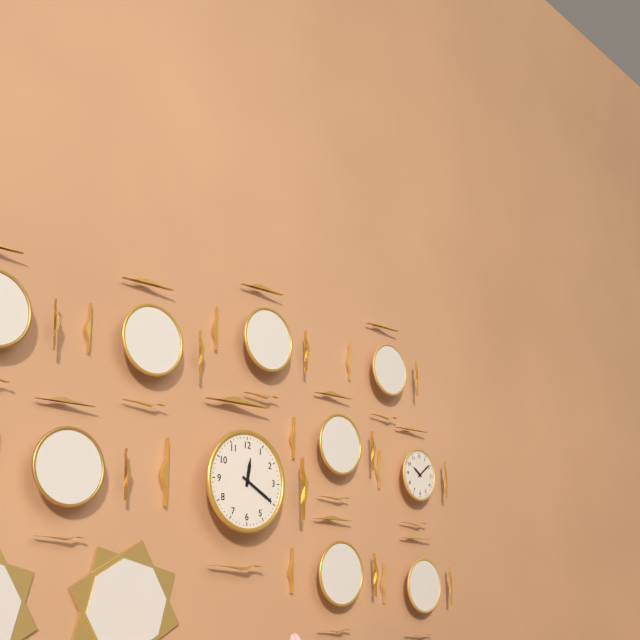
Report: 12:20
